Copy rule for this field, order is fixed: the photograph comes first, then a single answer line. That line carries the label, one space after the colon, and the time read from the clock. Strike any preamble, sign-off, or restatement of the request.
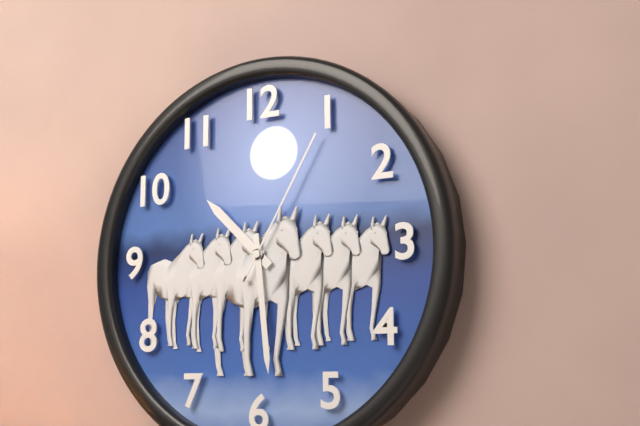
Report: 10:29:05
